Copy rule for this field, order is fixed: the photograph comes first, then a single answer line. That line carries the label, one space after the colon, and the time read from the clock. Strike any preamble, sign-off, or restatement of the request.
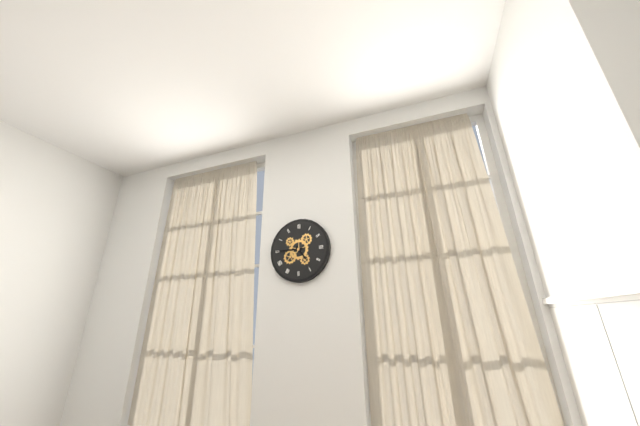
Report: 4:45
